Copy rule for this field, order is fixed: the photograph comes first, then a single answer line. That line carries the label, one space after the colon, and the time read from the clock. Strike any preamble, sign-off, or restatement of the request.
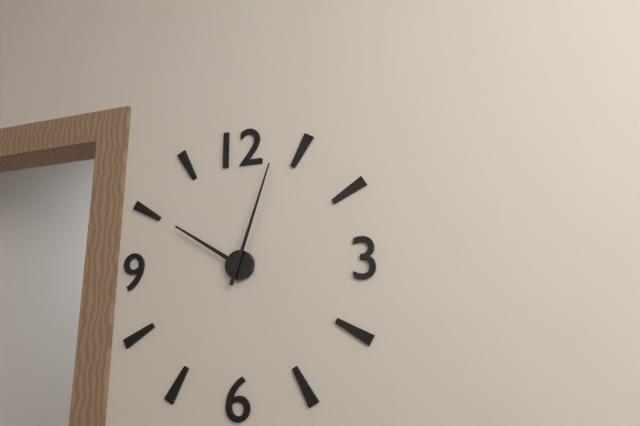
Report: 10:03
